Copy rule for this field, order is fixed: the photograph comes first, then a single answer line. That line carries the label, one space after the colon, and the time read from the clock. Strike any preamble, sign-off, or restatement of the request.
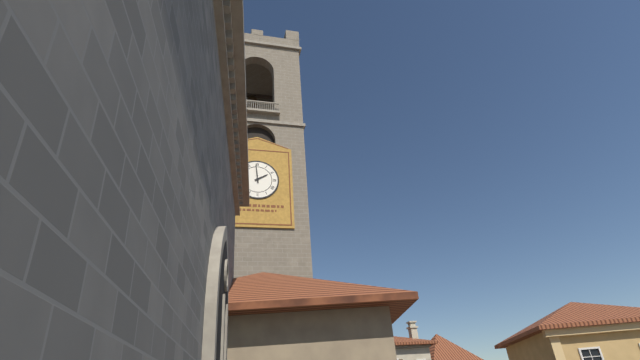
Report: 1:59
